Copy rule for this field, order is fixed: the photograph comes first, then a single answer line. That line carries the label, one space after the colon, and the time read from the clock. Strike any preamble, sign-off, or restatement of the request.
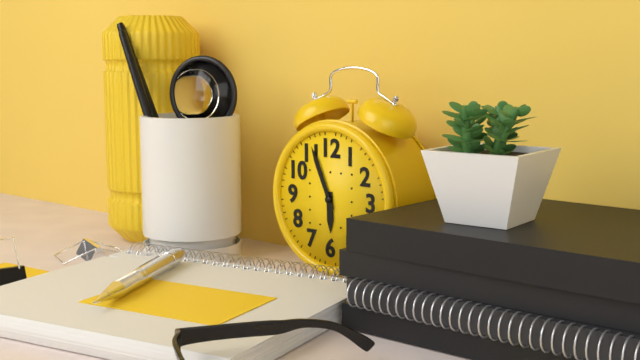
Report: 5:56
